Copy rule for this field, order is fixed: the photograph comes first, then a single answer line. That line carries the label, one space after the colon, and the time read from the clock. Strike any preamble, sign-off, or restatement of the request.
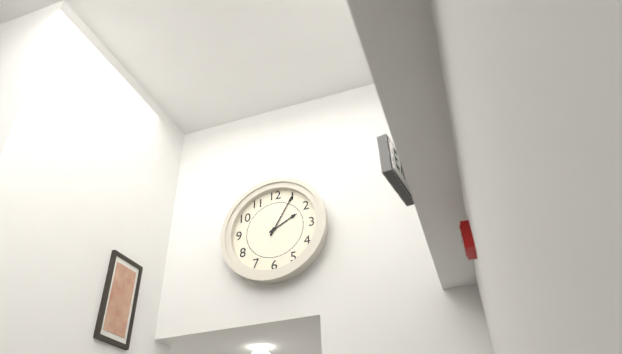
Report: 2:05
